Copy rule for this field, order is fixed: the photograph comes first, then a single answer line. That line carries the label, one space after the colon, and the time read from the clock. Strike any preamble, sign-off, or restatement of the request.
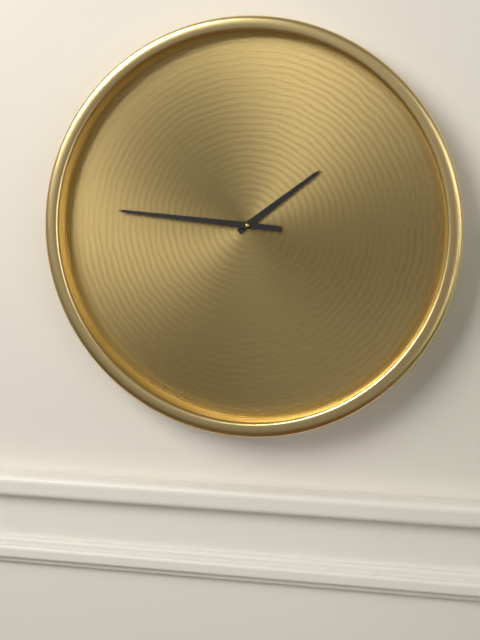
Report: 1:46
